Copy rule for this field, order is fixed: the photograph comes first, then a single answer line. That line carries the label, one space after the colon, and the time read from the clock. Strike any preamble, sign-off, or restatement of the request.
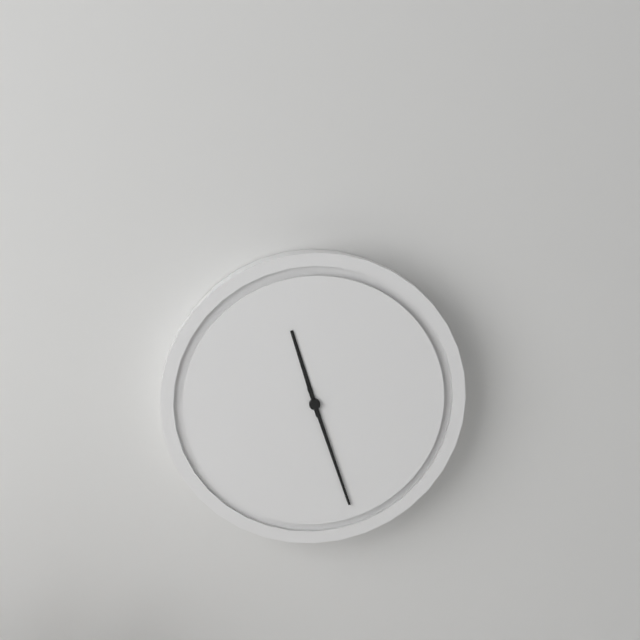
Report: 11:27
